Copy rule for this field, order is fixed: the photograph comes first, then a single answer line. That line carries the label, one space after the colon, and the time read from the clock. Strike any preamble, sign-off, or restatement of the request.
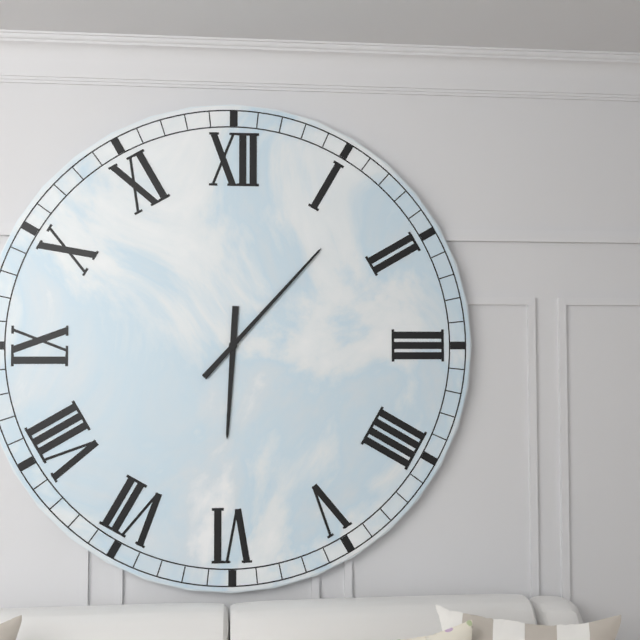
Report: 6:07
